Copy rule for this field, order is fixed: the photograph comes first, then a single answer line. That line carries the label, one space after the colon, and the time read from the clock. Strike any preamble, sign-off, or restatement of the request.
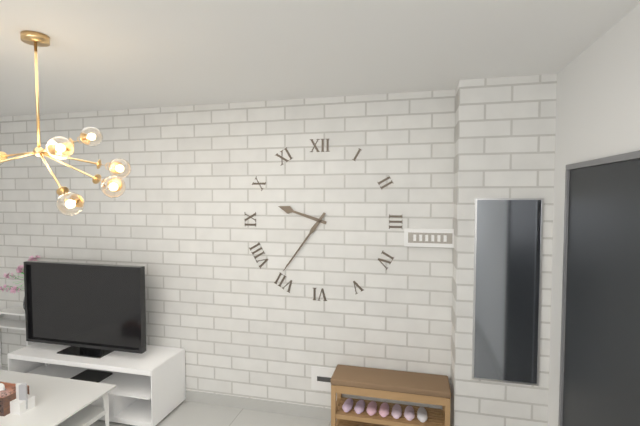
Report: 9:36
